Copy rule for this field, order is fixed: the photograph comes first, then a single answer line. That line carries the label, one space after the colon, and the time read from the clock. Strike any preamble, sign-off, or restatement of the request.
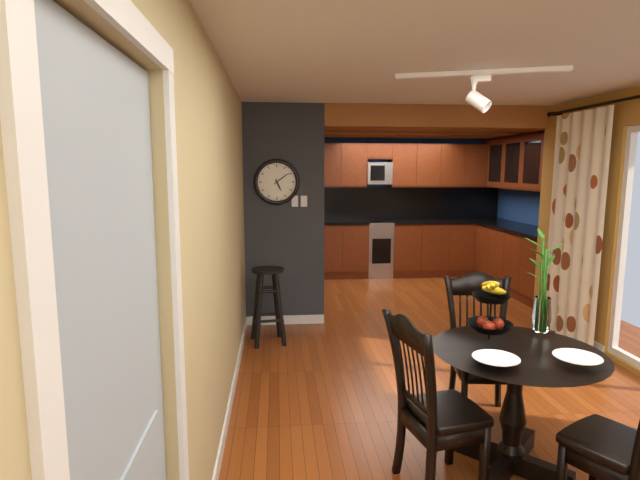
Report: 5:09
